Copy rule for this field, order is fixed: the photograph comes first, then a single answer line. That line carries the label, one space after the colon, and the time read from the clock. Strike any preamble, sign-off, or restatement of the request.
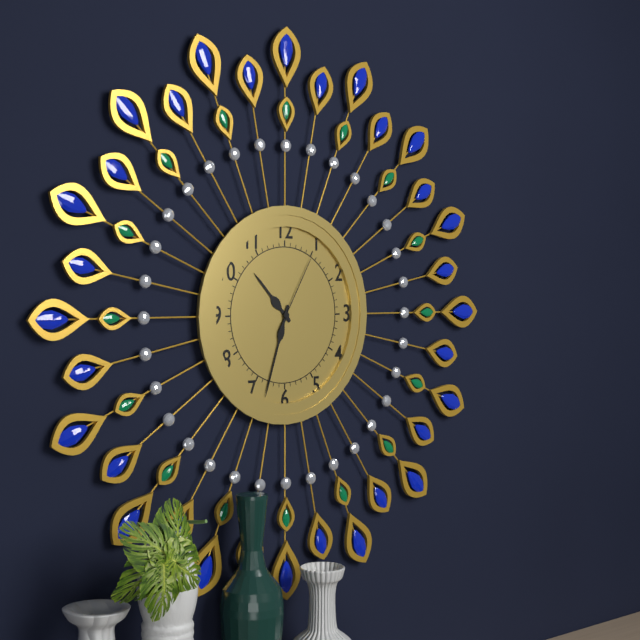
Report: 10:33:05
